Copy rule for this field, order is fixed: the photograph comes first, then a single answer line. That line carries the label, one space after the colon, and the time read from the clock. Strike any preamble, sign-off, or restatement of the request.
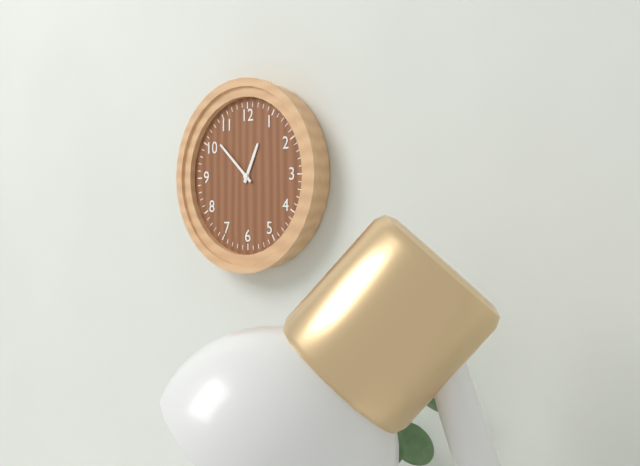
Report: 12:52
